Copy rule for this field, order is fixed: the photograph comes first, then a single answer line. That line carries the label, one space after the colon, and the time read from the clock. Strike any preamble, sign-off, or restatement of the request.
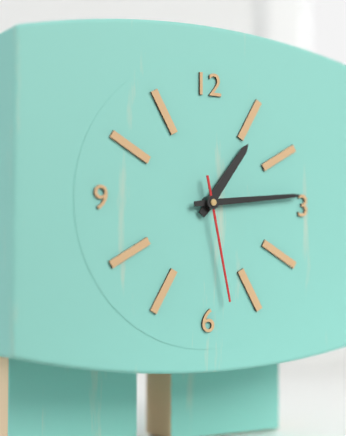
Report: 1:14:28
